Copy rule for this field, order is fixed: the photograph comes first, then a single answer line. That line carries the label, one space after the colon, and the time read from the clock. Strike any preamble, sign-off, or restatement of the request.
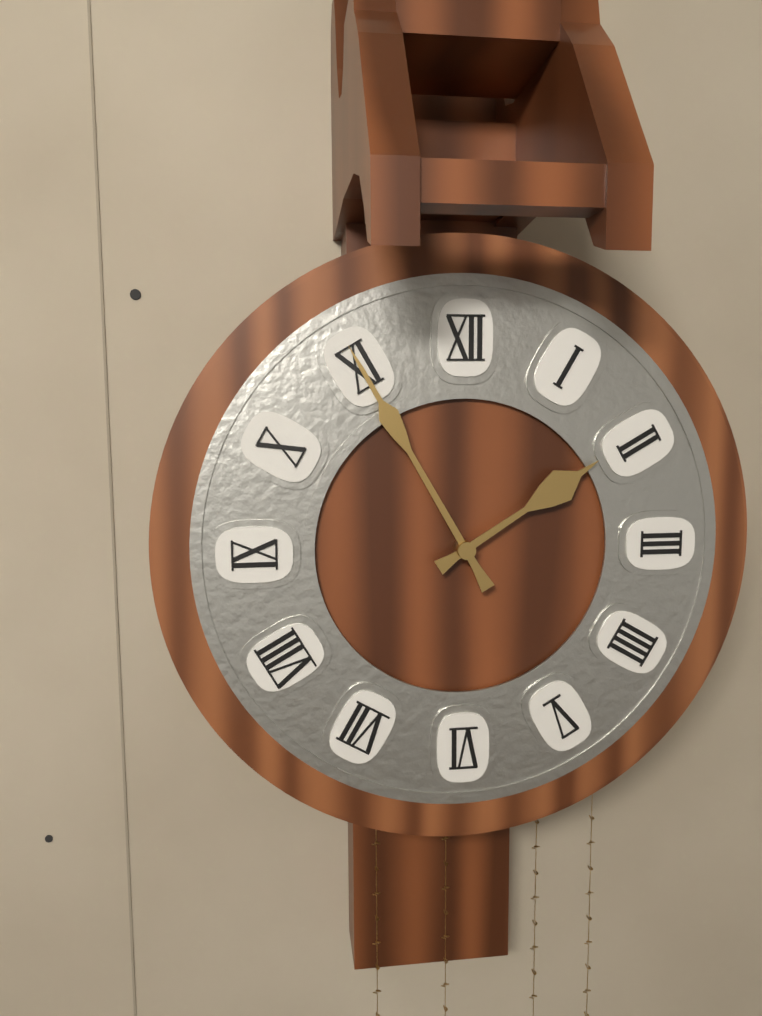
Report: 1:55
